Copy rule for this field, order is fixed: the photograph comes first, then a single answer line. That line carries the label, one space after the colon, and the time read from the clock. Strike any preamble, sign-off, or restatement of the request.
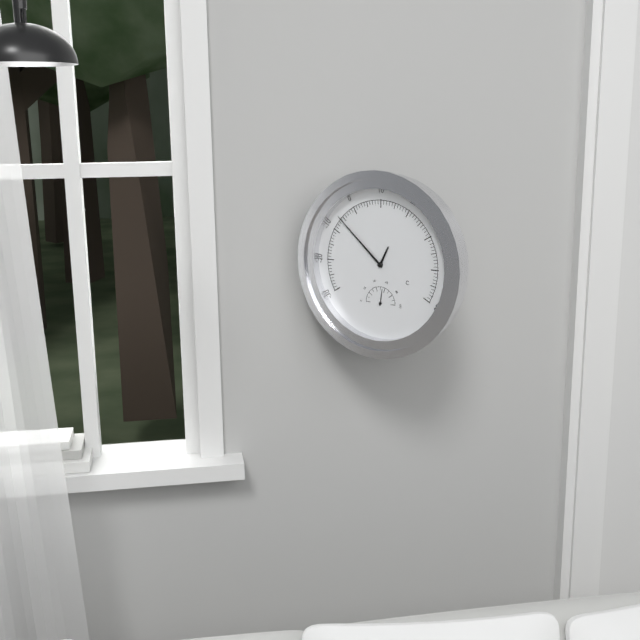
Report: 12:52
